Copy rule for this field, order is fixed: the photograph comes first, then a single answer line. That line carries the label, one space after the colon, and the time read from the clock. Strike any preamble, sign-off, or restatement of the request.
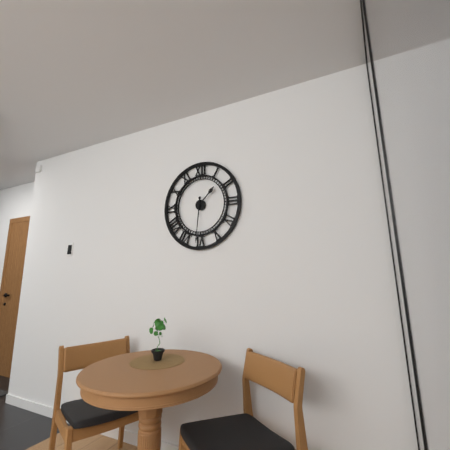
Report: 1:31
